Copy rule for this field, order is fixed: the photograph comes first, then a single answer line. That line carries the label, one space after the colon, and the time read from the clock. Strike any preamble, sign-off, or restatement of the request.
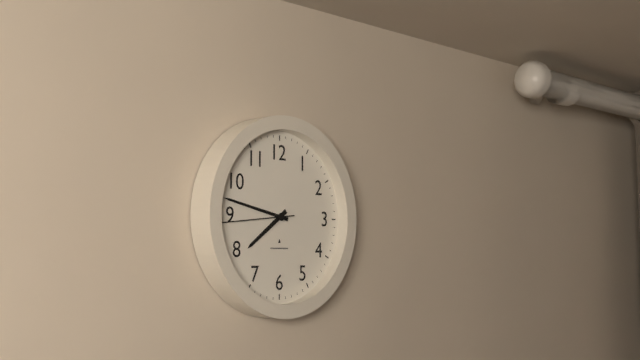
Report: 7:47:44
